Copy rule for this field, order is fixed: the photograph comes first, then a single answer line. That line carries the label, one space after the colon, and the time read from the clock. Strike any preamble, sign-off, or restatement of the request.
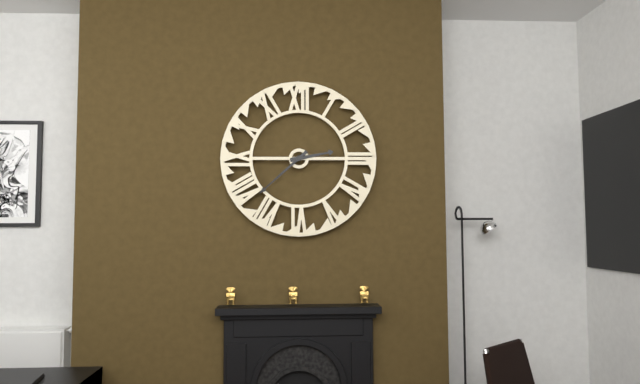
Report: 2:38
